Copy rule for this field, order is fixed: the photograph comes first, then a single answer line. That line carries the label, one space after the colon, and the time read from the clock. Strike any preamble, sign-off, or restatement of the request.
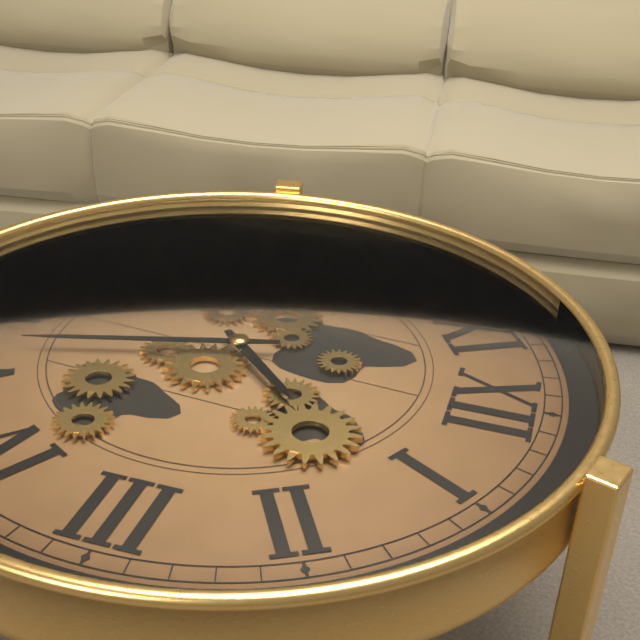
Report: 1:27
